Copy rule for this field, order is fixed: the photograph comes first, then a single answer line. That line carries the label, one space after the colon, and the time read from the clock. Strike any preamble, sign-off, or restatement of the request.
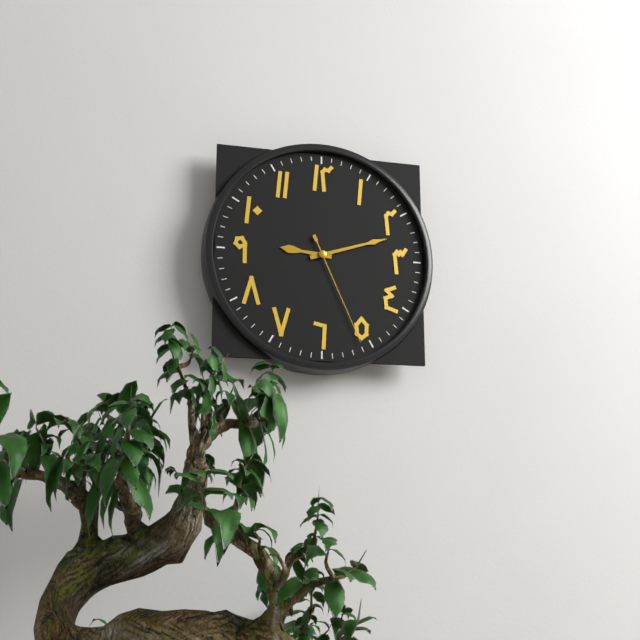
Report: 9:12:26
